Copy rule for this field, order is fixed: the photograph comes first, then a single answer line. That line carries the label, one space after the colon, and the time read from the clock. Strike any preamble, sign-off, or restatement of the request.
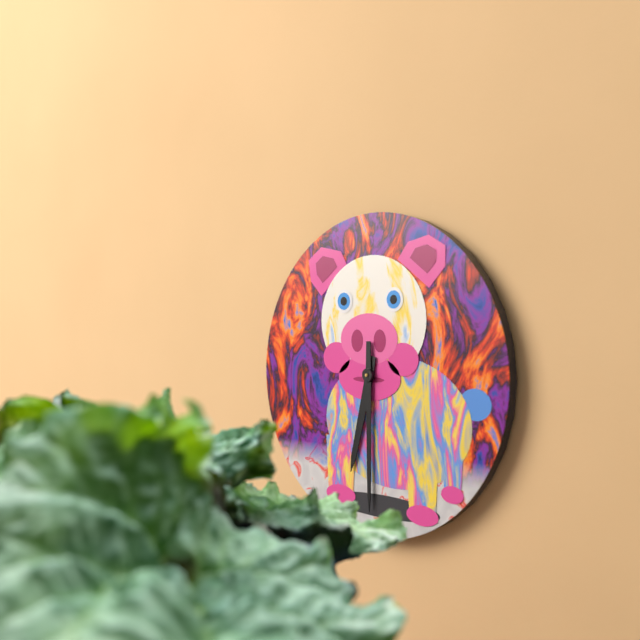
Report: 6:30
